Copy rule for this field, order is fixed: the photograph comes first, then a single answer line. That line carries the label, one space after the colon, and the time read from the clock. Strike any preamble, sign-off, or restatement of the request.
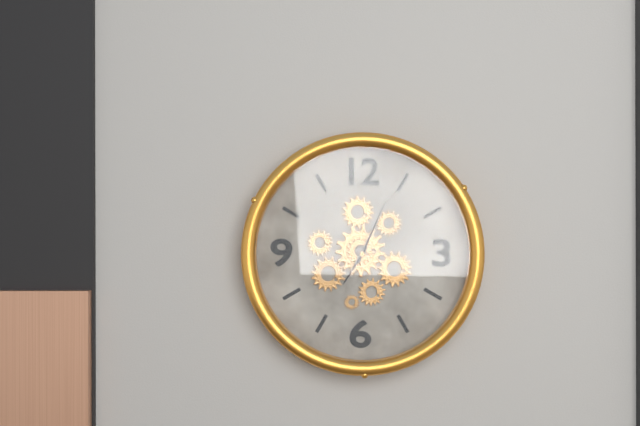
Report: 7:04
